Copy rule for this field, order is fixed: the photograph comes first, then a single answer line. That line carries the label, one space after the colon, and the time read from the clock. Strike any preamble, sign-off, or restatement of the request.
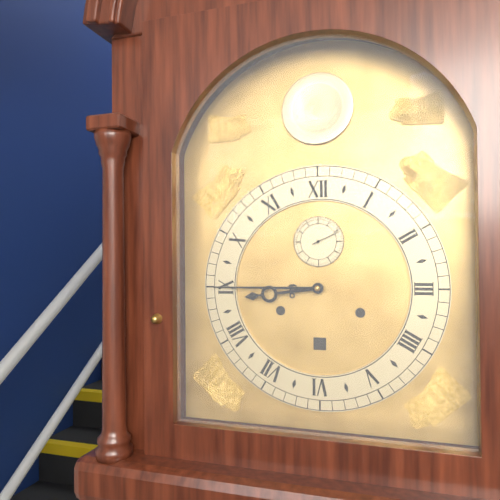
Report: 8:45
